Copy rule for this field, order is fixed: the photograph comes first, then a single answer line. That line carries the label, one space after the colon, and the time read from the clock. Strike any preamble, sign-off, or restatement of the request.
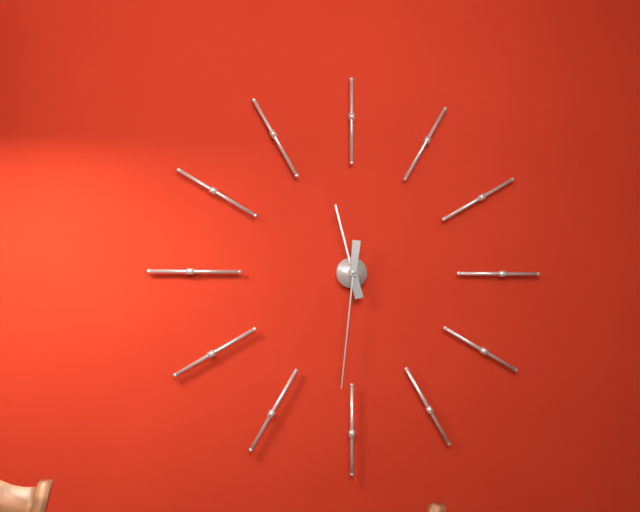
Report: 11:31
